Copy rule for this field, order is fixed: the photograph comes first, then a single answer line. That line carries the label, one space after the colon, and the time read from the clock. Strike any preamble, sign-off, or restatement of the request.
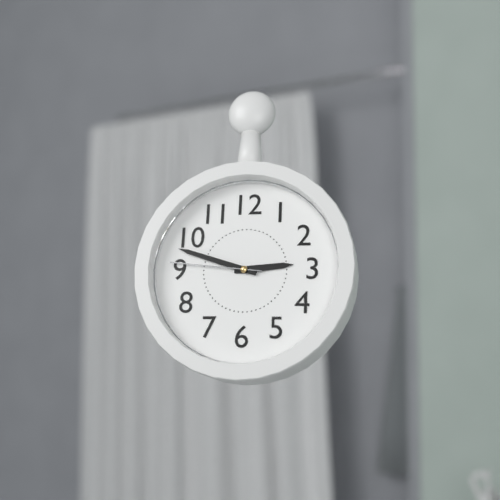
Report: 2:48:46
